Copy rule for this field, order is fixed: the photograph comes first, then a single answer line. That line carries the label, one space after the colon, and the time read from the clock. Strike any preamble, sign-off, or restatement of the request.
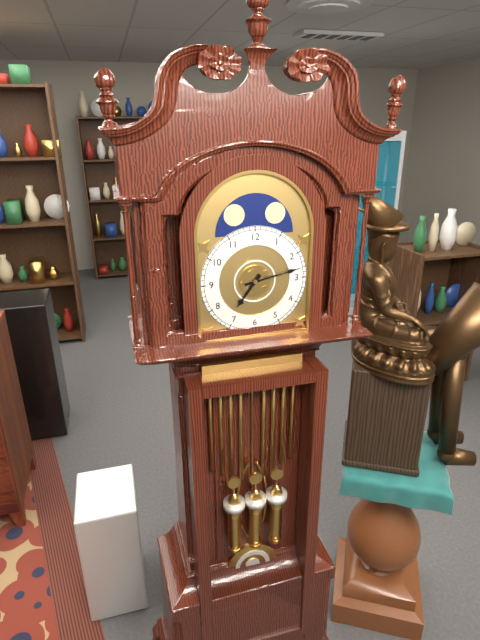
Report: 7:13
